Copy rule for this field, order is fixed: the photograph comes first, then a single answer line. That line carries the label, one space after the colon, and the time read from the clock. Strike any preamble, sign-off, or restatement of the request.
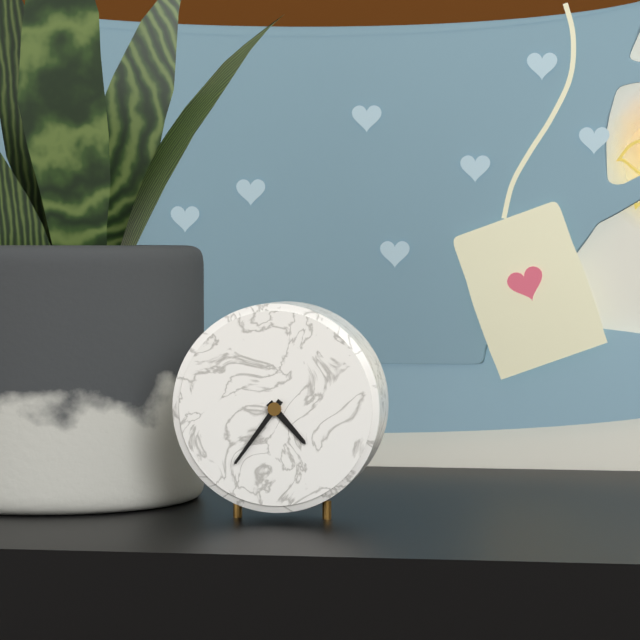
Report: 4:36
